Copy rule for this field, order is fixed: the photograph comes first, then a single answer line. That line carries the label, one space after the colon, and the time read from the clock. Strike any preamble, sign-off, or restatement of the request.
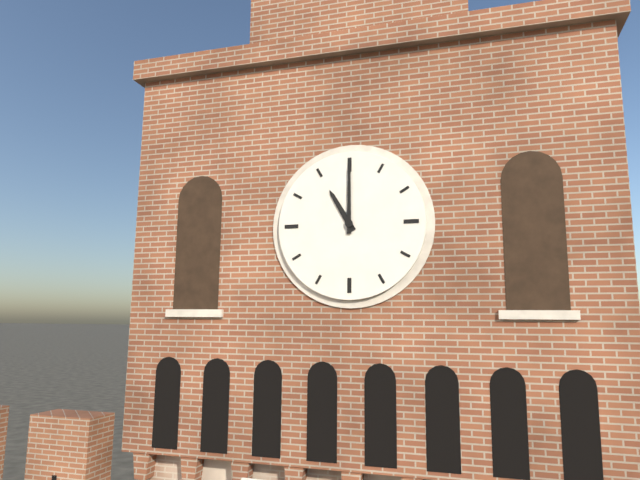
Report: 11:00
